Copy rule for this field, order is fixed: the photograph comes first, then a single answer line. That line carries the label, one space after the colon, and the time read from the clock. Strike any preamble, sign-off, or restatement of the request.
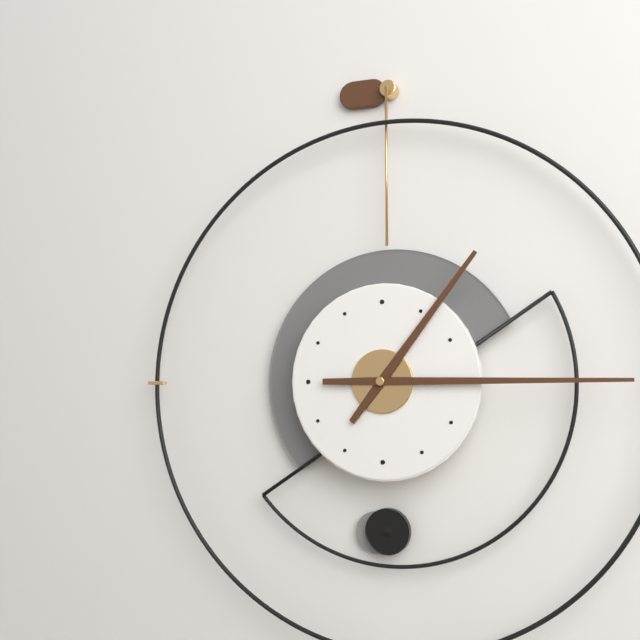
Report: 1:15
